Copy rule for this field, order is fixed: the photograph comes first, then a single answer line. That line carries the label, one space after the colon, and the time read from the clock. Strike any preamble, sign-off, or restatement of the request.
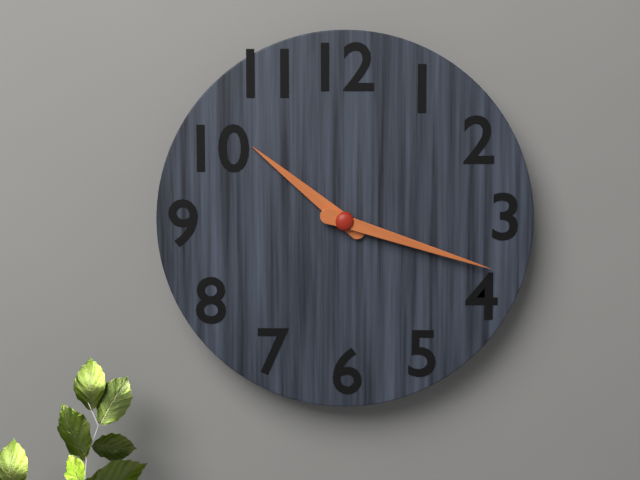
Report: 10:18
